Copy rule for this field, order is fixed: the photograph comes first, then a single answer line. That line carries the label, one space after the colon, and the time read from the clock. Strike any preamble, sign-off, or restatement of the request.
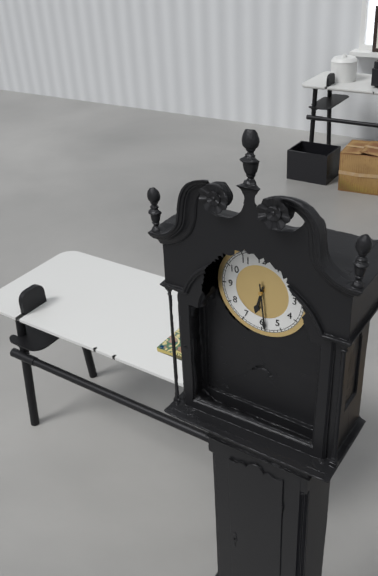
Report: 6:29
